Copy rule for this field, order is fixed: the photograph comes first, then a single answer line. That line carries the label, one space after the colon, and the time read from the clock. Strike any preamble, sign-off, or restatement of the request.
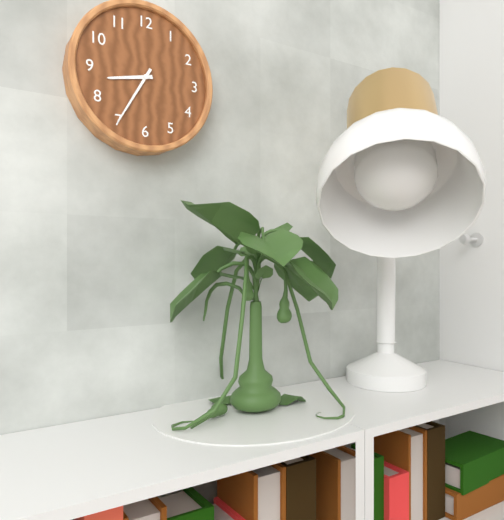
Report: 8:35
